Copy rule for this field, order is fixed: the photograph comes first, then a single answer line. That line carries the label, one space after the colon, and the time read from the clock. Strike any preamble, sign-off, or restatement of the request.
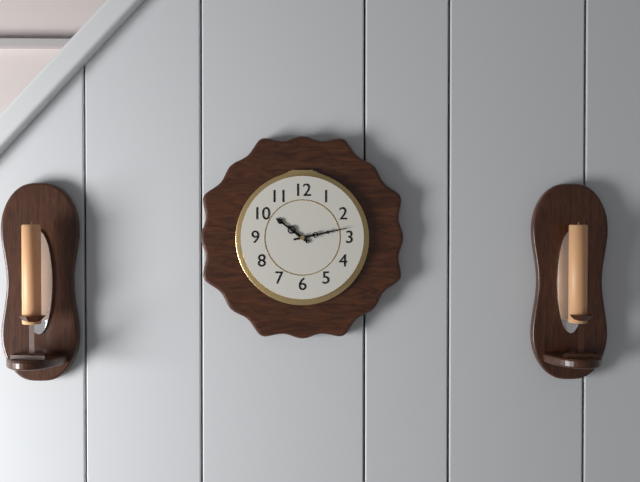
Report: 10:13
